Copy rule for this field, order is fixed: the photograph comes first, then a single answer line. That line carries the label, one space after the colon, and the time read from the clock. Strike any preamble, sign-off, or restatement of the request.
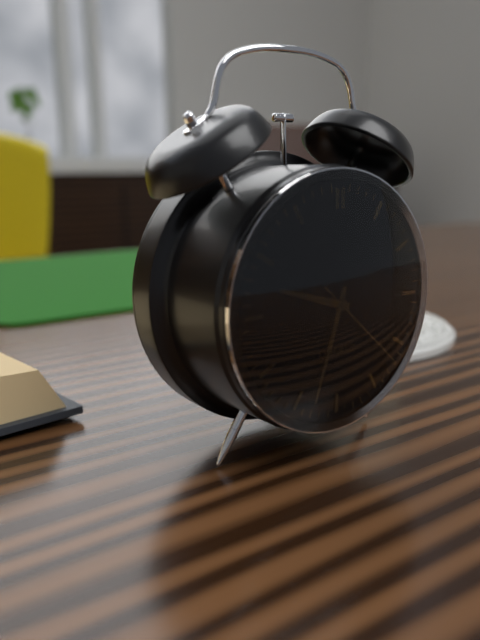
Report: 9:33:22
